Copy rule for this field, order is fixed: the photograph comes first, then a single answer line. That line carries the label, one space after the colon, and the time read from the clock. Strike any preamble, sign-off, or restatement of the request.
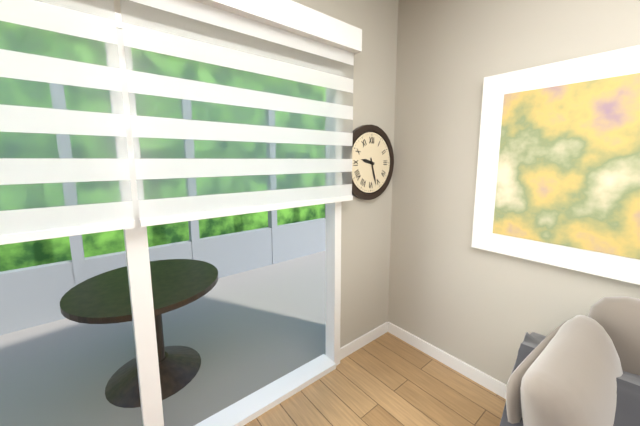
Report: 9:27
